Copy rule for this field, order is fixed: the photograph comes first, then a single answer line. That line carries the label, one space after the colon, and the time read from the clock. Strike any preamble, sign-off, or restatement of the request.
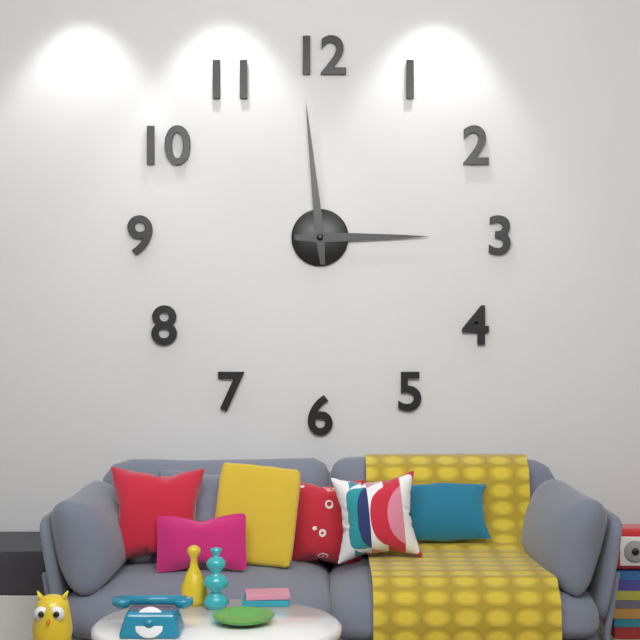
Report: 2:59
